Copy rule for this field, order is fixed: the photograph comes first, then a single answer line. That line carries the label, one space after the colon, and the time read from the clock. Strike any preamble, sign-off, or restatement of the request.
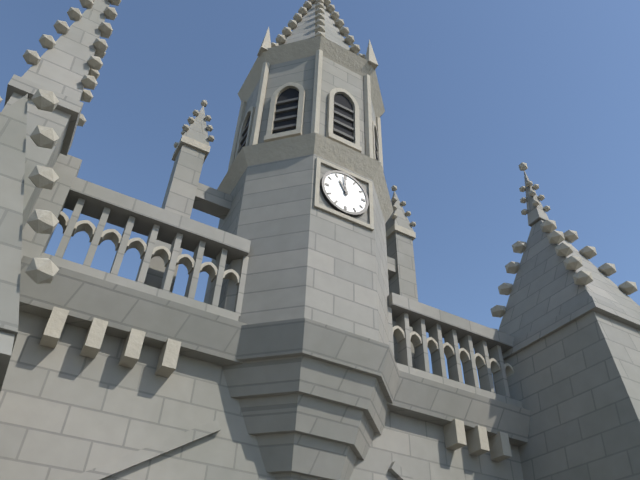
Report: 10:59
